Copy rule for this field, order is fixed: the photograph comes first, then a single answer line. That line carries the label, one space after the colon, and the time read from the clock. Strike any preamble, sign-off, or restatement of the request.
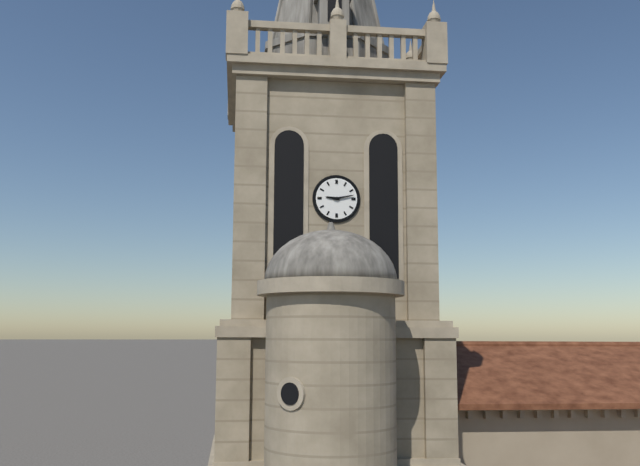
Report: 9:13
